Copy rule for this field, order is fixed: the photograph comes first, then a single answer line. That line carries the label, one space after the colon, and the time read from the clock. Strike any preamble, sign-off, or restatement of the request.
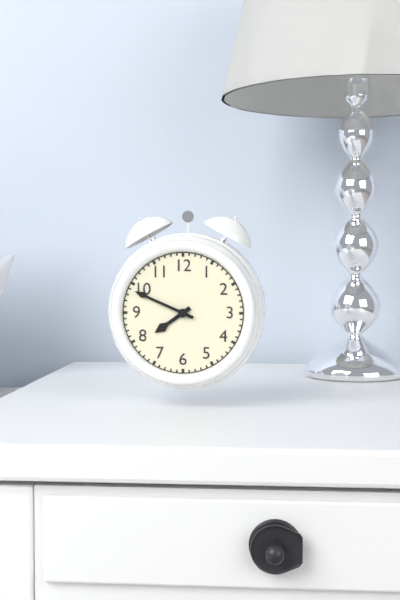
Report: 7:49
